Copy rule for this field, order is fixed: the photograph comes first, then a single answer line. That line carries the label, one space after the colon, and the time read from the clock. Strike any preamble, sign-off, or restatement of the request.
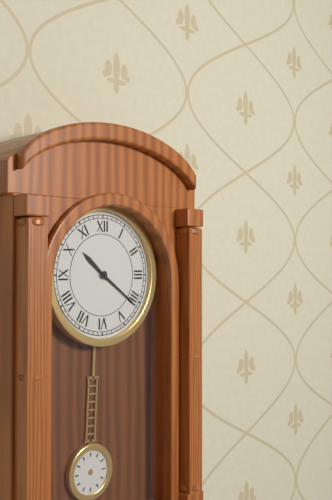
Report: 10:21
